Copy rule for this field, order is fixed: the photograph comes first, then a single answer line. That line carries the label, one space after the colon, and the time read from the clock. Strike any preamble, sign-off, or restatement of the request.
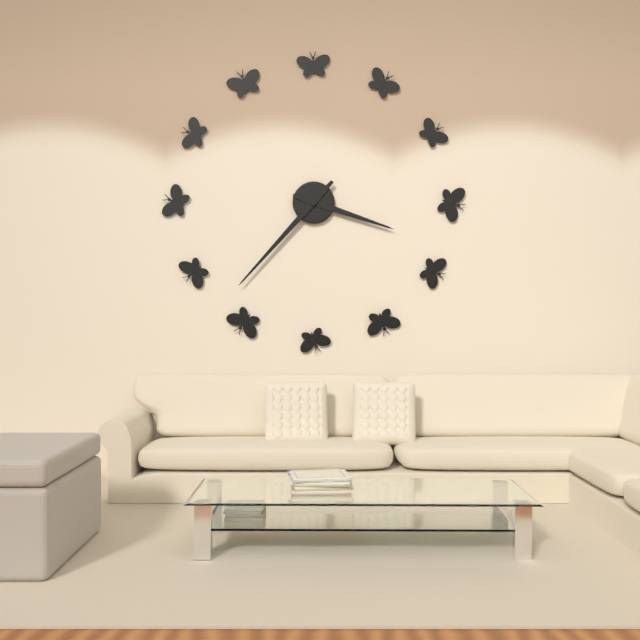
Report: 3:37
